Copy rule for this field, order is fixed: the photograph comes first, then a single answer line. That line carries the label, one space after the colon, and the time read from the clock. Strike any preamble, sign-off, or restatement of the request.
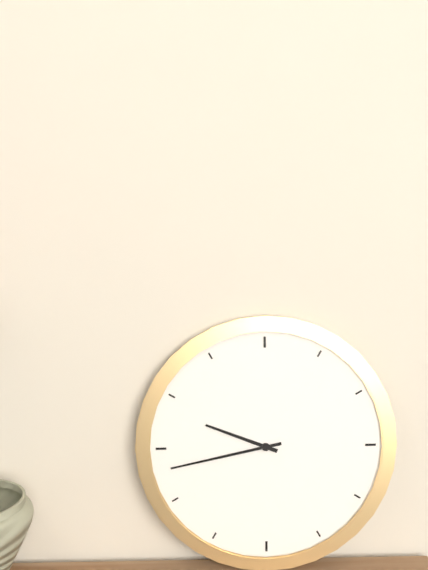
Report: 9:43
